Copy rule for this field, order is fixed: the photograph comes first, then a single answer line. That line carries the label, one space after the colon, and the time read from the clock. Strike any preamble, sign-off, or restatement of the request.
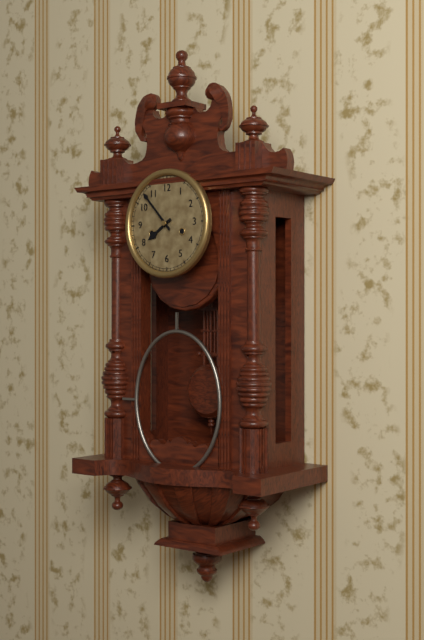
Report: 7:53
